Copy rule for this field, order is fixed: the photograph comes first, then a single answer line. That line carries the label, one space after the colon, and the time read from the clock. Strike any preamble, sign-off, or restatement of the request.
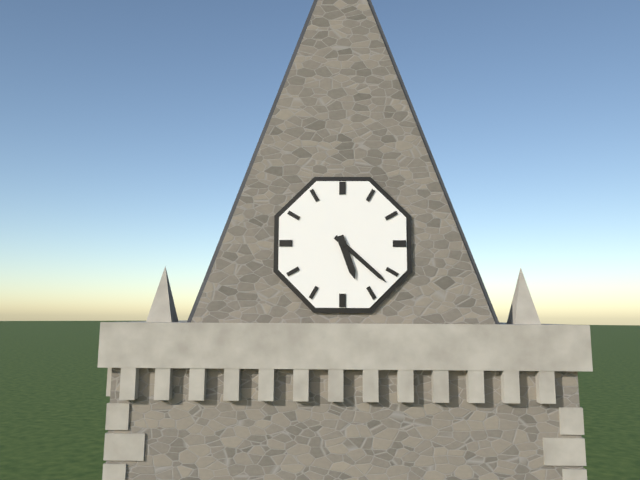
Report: 5:22
